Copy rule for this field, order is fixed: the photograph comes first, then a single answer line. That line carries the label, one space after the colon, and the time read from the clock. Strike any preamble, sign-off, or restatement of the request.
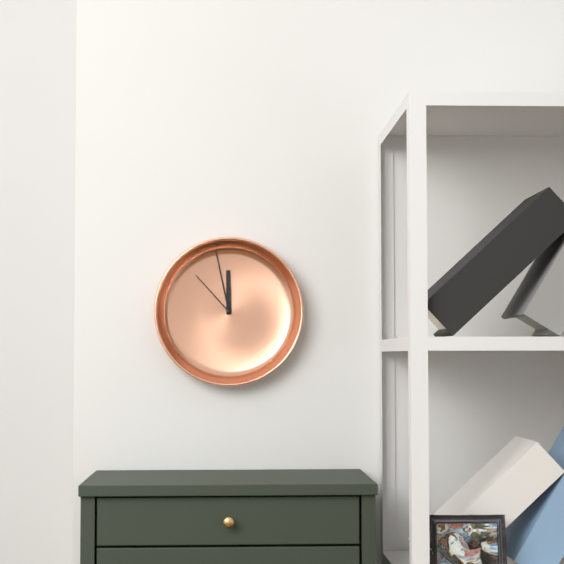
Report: 11:58:53
